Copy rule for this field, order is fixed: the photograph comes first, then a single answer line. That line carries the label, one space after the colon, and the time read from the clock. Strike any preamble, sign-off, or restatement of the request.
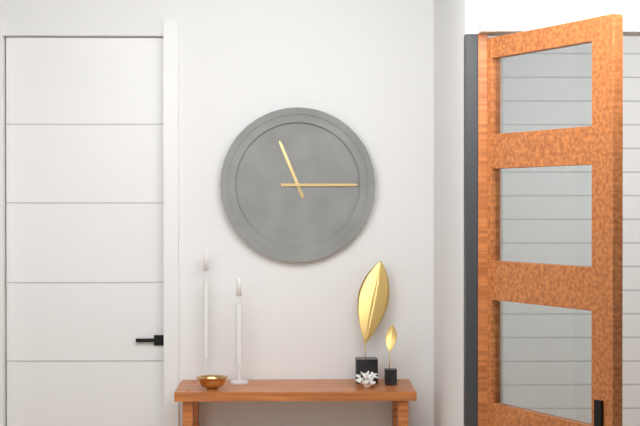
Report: 11:15
